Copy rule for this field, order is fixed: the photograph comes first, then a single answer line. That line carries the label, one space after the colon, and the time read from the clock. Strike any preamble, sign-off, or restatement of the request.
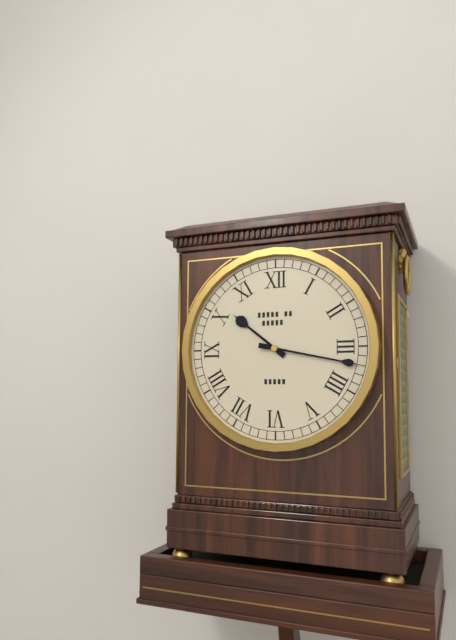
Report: 10:17
